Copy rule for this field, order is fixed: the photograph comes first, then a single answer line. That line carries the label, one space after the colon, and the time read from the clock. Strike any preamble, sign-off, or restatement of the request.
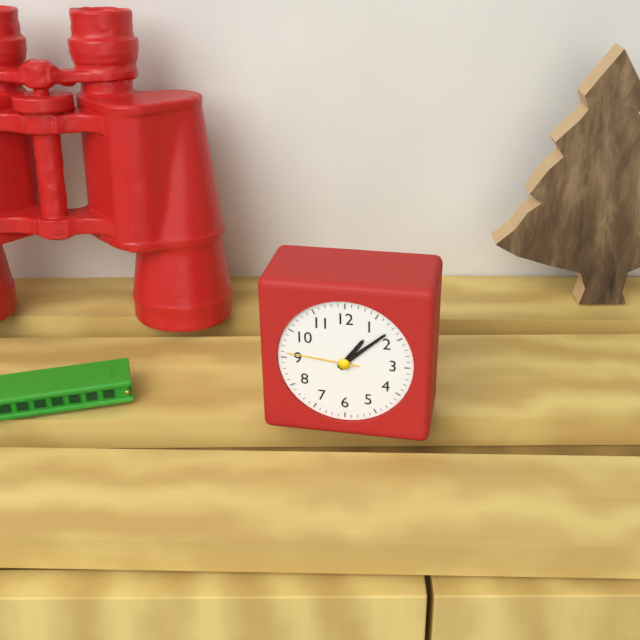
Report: 1:08:46
